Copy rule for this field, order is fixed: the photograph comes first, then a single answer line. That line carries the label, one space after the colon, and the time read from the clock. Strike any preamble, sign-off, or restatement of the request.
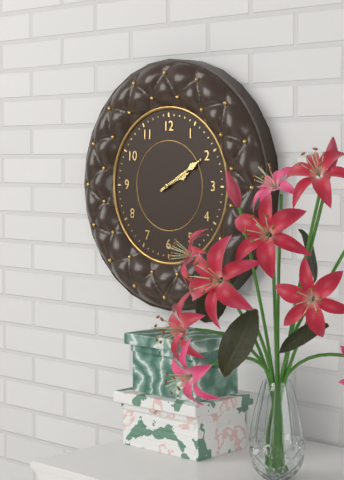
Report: 2:10
